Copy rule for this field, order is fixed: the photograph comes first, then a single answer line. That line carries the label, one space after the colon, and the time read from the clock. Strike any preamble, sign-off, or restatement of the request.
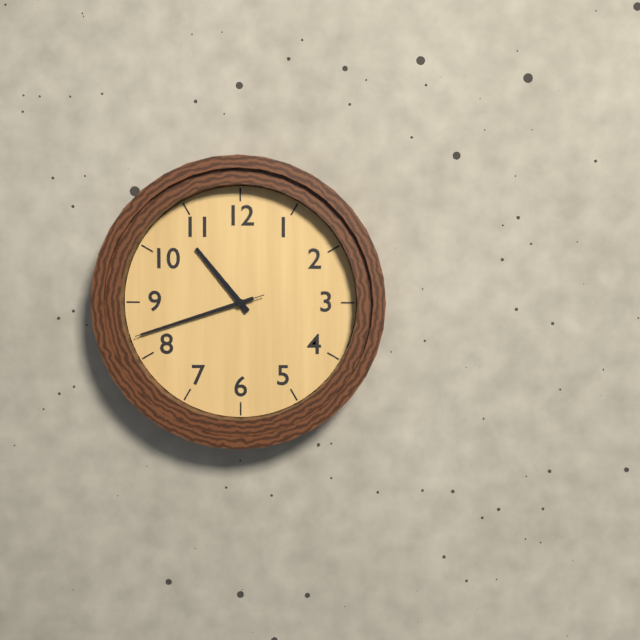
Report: 10:42:42
